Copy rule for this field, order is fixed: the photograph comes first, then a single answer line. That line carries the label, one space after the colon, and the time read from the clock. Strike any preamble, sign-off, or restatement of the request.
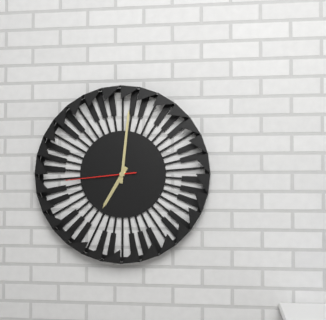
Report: 7:01:44
